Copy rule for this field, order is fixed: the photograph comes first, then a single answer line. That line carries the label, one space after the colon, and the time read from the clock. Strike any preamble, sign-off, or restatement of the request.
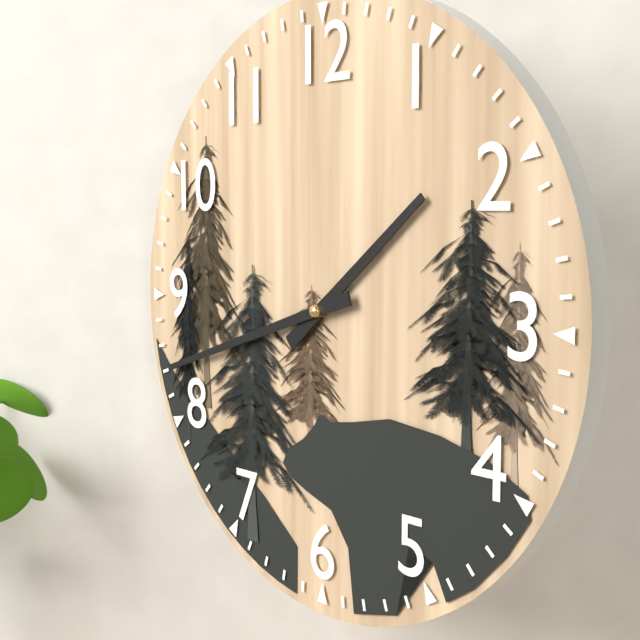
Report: 1:42
